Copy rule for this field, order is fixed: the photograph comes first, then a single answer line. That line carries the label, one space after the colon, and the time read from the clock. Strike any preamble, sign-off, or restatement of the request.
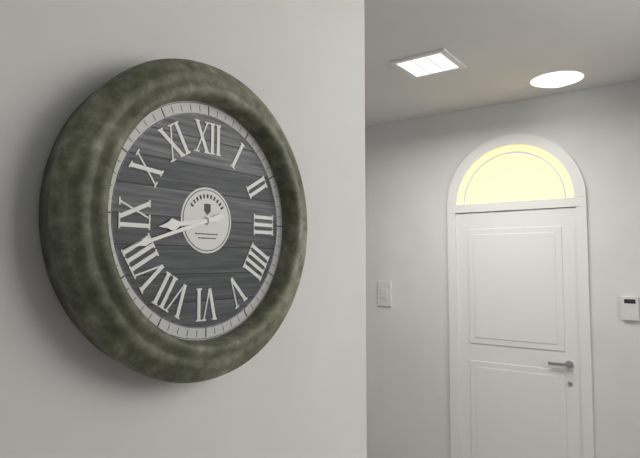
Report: 8:42
